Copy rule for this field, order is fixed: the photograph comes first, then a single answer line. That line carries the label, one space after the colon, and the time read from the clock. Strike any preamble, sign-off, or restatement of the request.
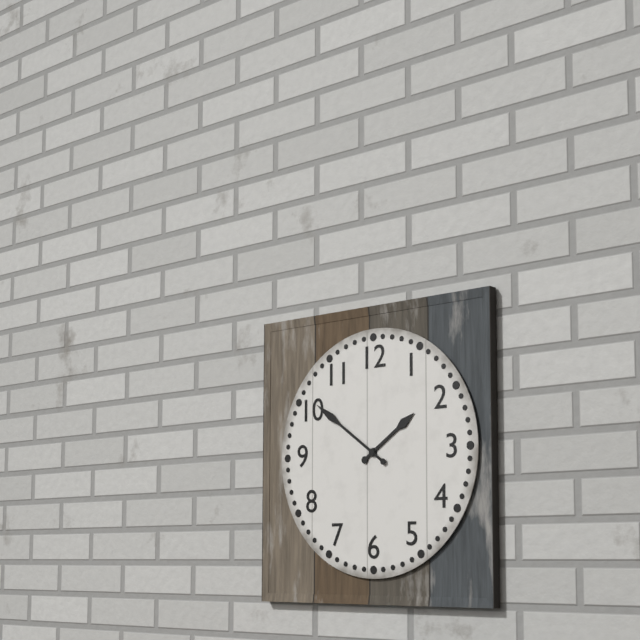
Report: 1:51
